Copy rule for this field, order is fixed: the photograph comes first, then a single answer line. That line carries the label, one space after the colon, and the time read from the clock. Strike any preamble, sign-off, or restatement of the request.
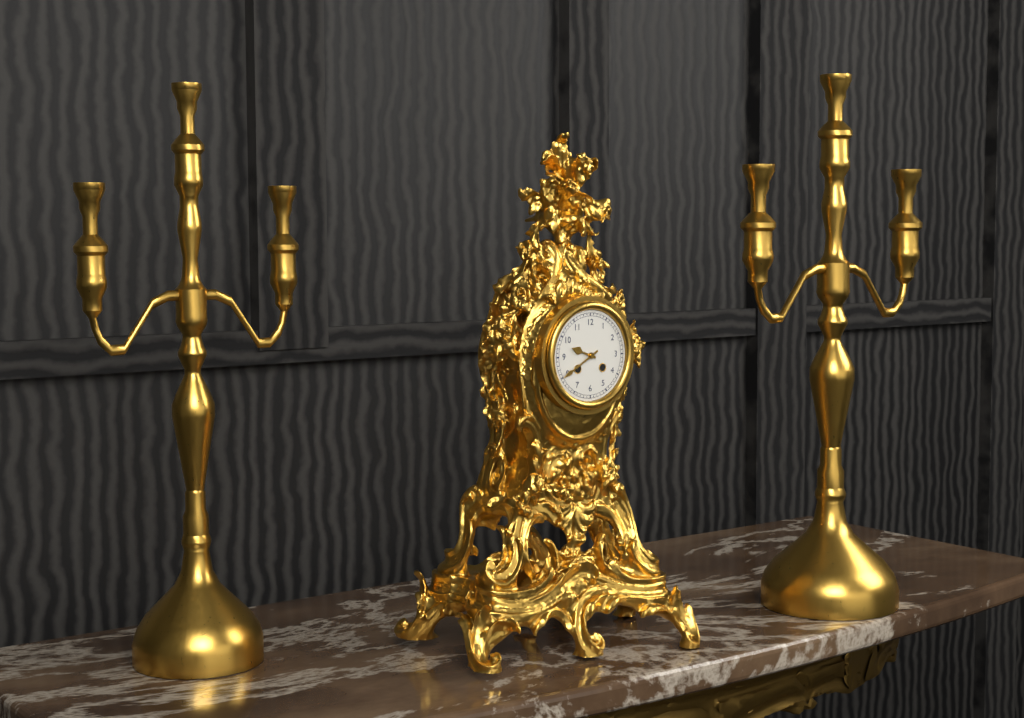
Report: 9:40
